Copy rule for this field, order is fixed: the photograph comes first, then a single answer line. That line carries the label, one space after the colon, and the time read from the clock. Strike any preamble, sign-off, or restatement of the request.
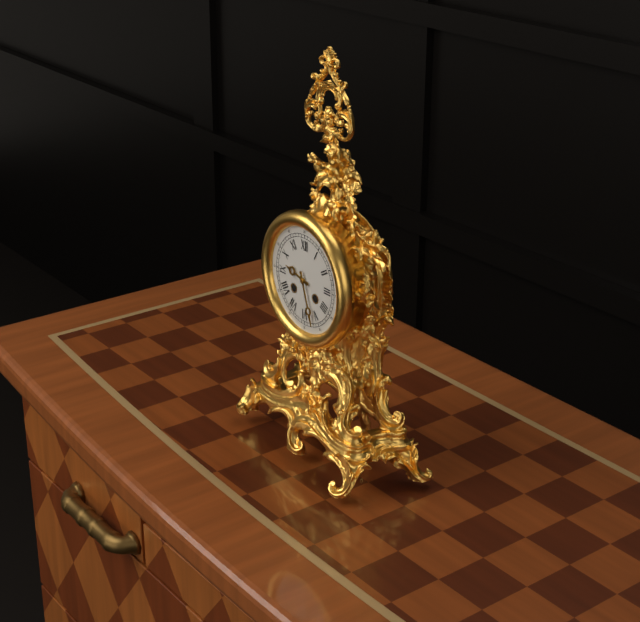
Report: 9:27
